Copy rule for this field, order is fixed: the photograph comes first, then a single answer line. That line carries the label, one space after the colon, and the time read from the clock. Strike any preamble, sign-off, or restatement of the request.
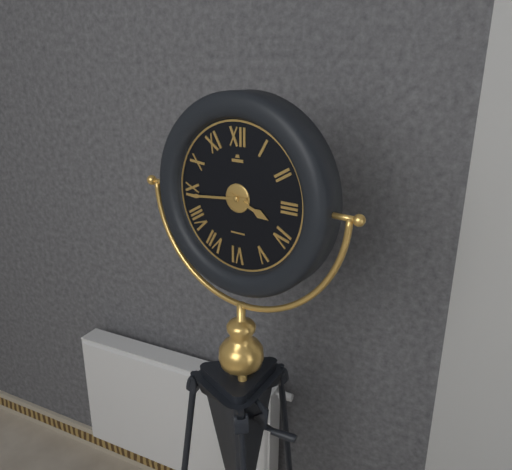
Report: 3:44
